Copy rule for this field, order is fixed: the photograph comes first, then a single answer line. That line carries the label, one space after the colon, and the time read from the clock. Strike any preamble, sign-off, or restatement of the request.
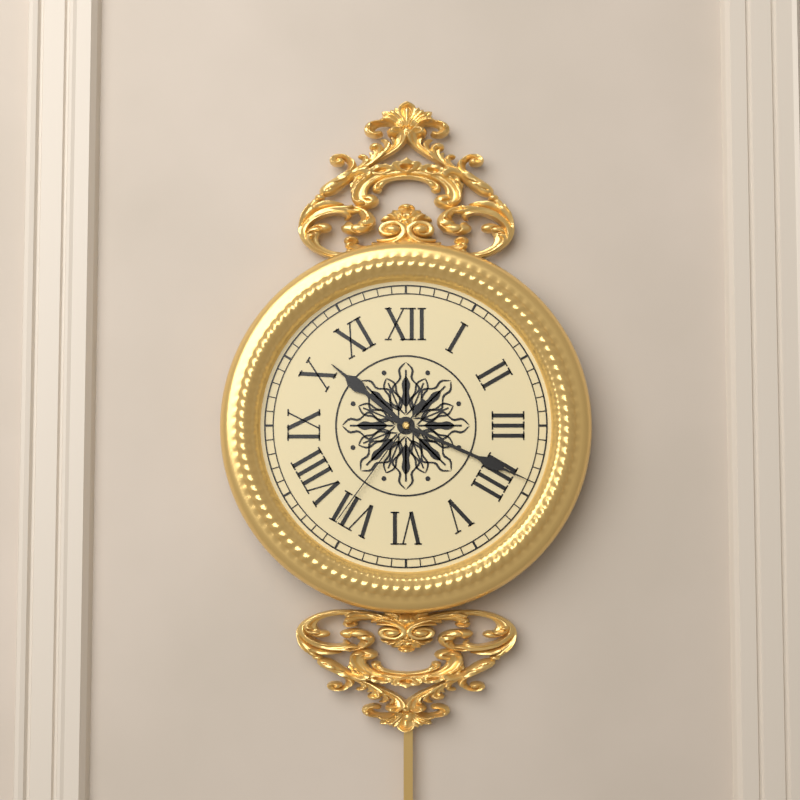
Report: 10:19:36
